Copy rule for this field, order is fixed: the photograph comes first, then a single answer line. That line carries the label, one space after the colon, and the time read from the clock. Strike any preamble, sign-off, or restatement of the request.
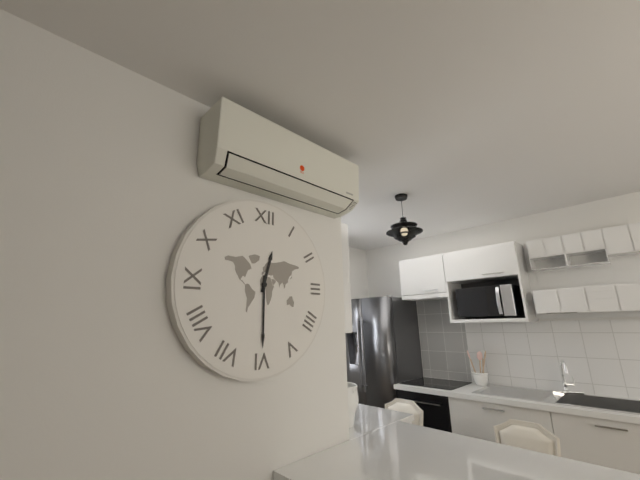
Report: 12:30
